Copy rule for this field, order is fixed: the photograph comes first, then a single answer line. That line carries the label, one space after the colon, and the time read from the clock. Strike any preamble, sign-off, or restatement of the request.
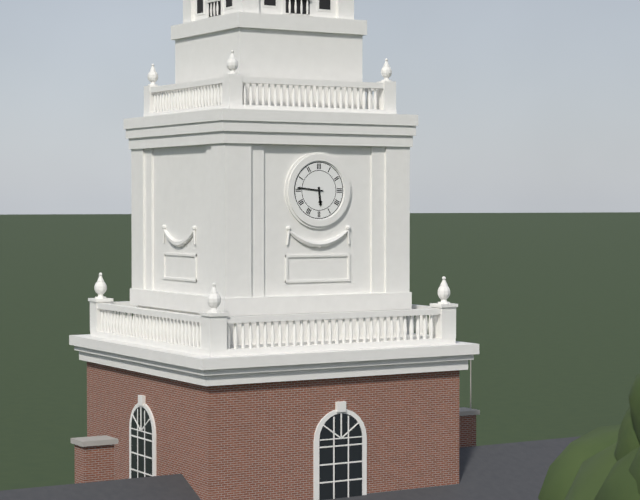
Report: 5:46
